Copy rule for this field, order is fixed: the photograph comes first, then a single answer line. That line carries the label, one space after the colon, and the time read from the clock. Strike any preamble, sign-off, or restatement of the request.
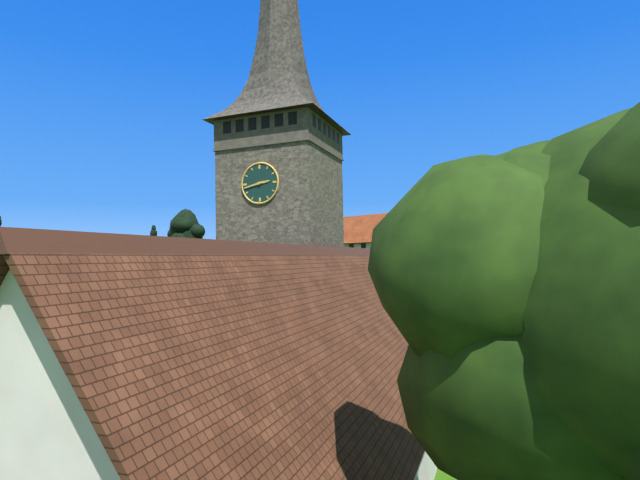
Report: 2:43
